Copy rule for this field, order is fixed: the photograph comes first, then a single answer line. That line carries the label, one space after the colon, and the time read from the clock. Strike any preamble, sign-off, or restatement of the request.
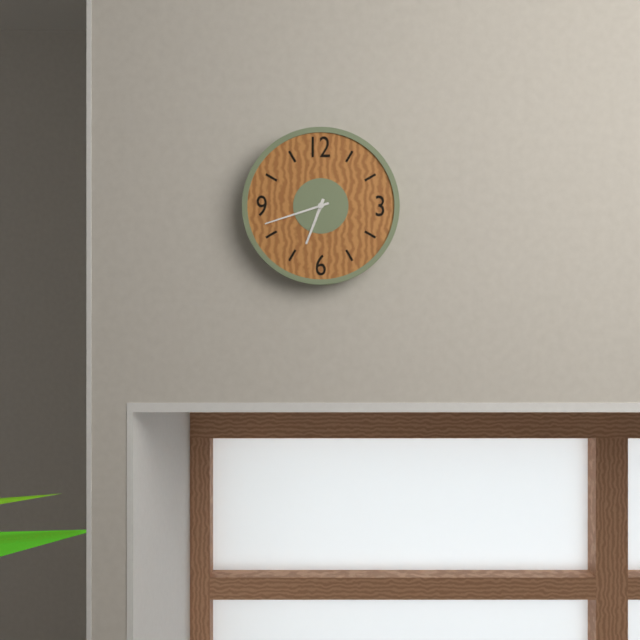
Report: 6:42
